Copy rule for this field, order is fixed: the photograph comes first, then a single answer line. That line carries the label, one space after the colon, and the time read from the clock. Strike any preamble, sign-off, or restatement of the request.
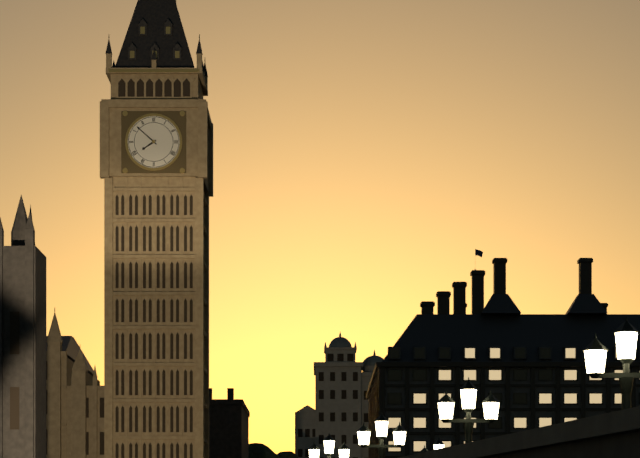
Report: 7:52
